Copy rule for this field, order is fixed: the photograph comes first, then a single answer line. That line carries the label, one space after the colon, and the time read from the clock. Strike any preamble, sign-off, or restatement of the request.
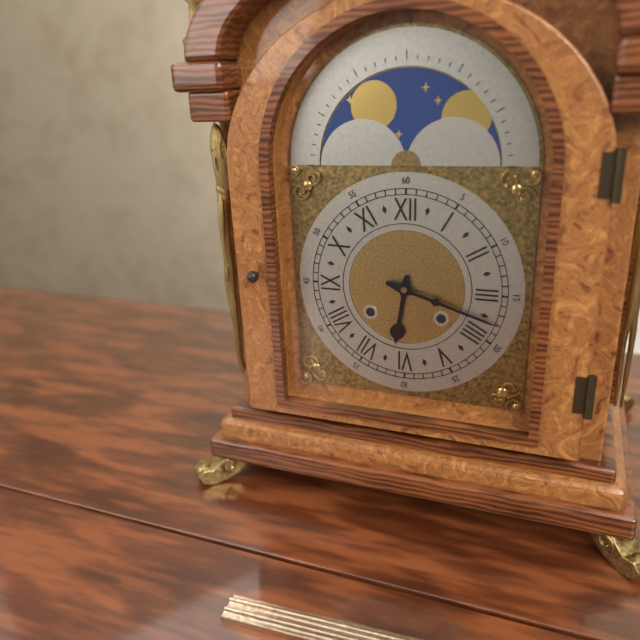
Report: 6:18
